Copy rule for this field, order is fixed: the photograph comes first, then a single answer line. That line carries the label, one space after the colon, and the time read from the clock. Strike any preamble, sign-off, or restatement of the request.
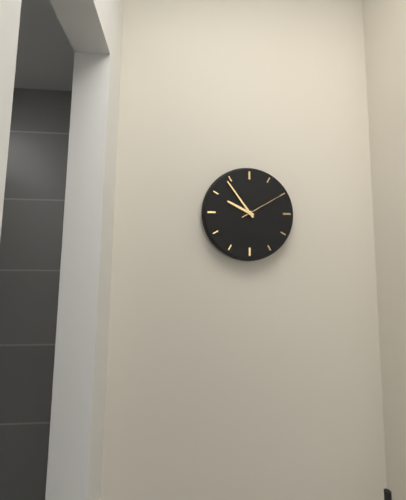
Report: 9:54:10
